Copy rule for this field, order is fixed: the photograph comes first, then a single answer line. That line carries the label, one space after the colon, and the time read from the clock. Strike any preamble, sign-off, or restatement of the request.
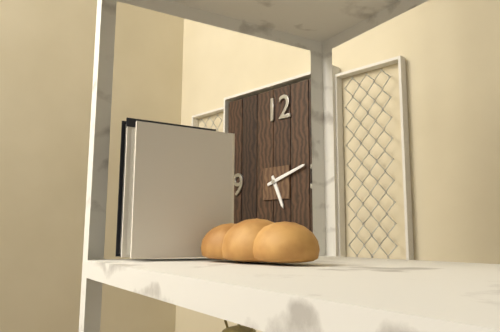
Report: 5:12
